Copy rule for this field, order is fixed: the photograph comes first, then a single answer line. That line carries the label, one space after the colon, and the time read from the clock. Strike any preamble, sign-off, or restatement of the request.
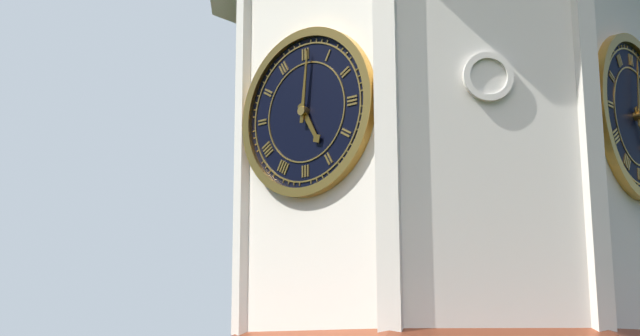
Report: 5:01
